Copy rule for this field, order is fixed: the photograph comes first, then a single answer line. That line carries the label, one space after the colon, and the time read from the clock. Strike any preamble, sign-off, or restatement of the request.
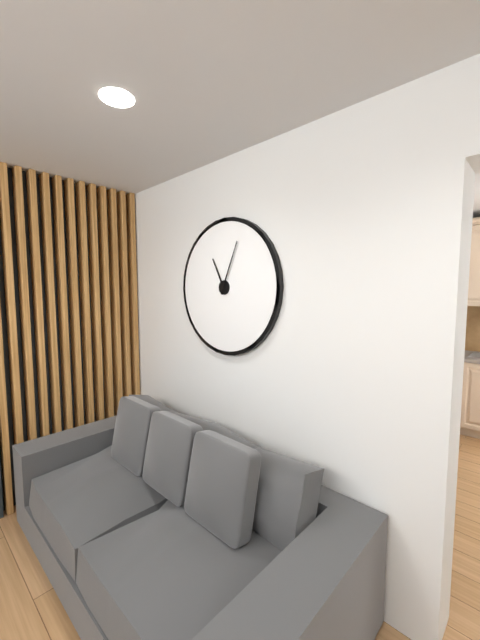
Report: 11:04
